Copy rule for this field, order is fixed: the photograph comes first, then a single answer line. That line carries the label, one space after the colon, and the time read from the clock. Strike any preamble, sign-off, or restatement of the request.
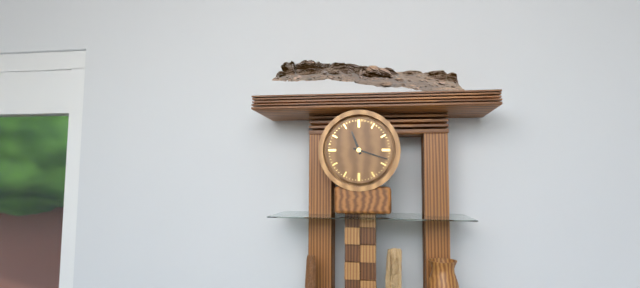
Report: 11:18
